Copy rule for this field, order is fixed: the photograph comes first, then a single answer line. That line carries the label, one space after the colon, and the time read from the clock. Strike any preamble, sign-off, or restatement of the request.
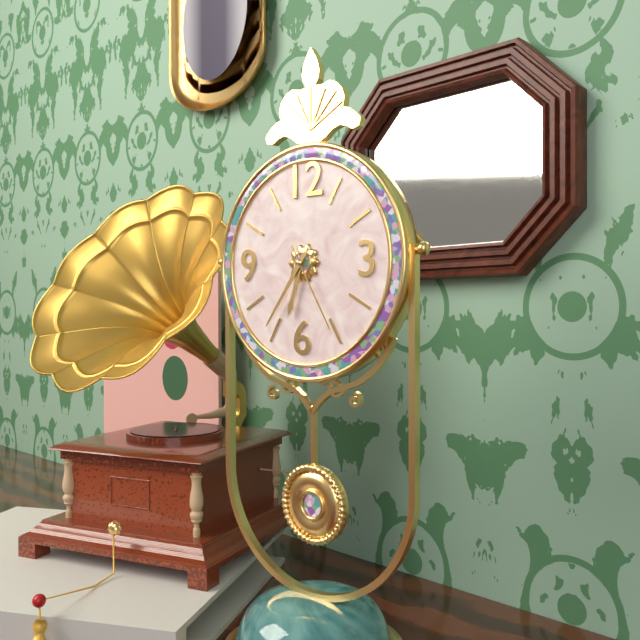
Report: 6:36:25
